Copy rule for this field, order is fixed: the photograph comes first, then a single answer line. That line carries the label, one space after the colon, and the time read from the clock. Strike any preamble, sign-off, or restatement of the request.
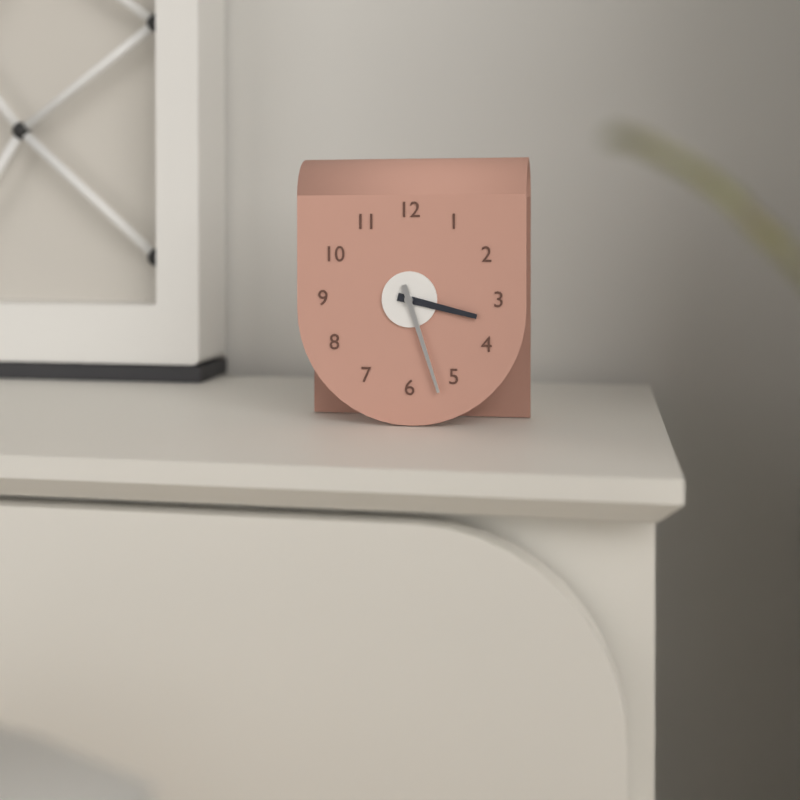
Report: 3:27
